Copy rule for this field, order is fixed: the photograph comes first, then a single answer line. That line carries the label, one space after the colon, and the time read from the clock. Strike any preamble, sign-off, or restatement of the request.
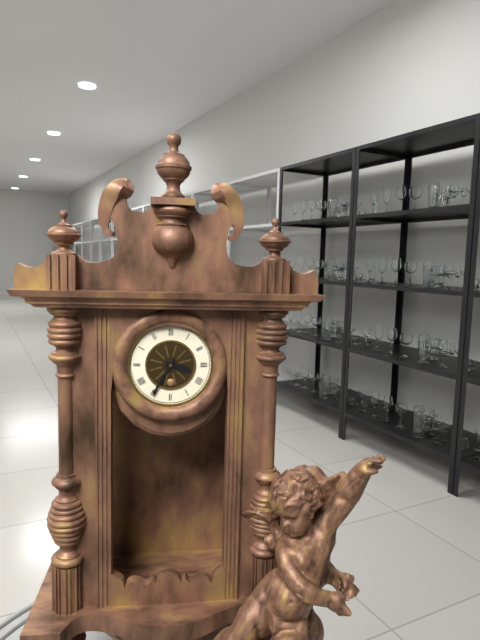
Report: 3:35
